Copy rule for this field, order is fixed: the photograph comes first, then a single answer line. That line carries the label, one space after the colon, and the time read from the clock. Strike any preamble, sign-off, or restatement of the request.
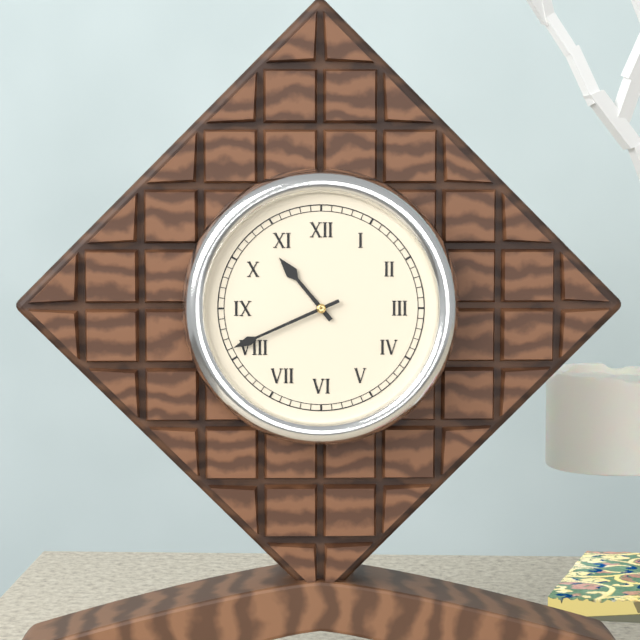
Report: 10:41
